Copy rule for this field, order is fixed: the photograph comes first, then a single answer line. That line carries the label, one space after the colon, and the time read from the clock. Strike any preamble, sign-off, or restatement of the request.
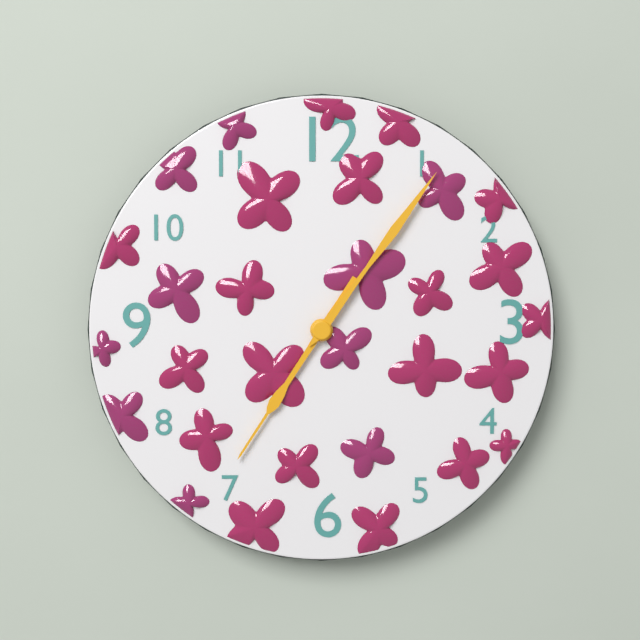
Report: 7:06
